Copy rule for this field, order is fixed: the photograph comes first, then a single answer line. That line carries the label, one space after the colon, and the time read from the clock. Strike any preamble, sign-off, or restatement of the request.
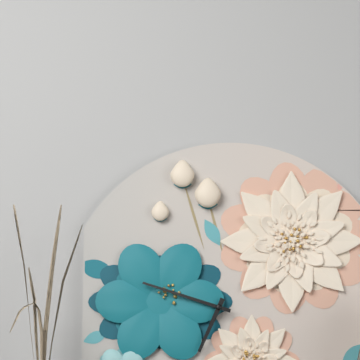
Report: 6:48
